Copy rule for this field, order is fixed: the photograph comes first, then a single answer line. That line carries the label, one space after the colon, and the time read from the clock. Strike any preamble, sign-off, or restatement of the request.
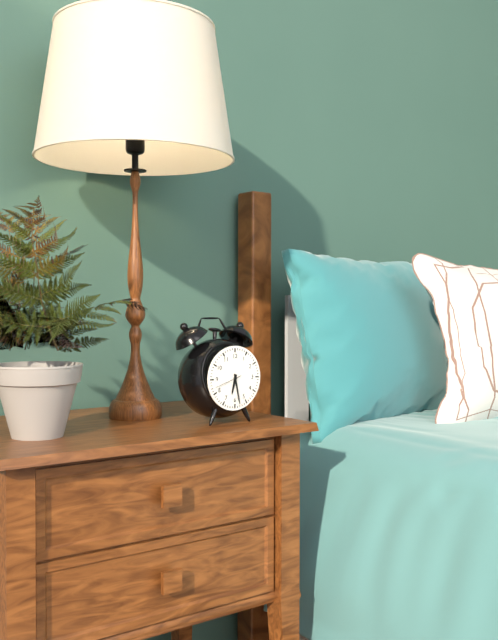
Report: 6:28
